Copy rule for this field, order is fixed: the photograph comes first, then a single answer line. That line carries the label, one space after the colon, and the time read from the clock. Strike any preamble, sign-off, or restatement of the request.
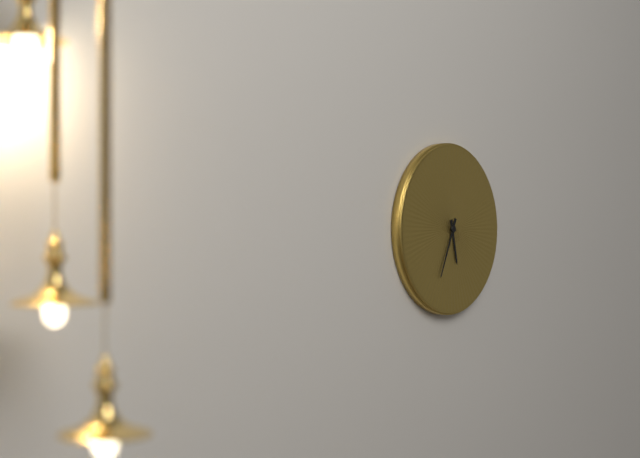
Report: 5:34
